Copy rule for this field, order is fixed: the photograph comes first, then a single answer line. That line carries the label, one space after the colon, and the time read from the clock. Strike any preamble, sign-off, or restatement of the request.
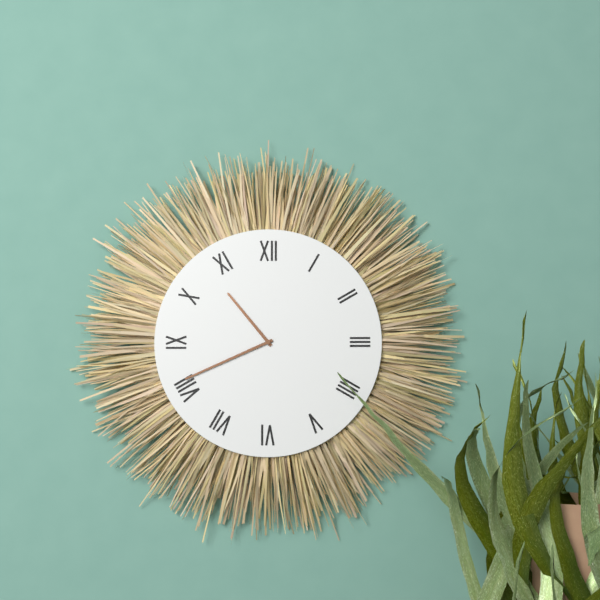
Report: 10:41
